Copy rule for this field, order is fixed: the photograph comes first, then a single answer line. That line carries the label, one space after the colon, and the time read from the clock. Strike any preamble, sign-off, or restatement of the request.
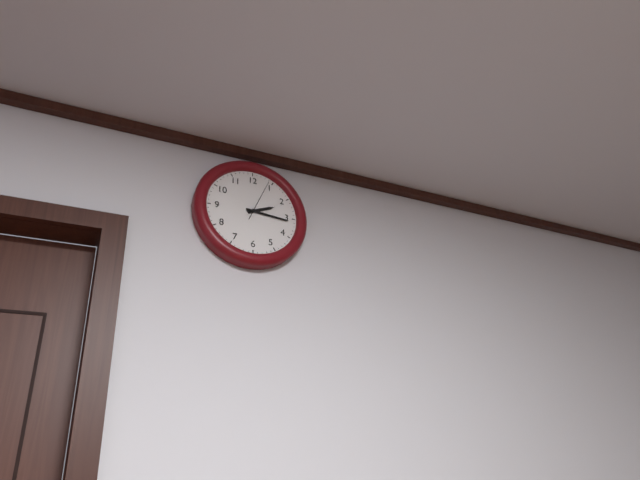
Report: 2:16
